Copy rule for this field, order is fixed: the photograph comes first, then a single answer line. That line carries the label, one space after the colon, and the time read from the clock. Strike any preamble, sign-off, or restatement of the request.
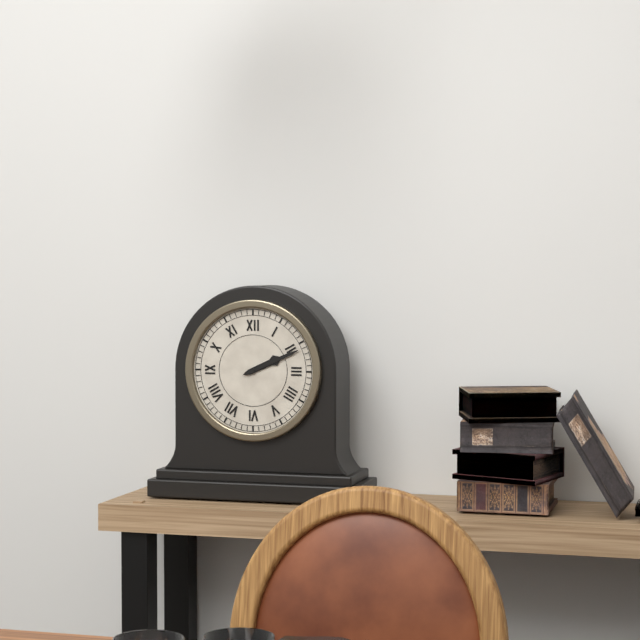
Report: 2:11
